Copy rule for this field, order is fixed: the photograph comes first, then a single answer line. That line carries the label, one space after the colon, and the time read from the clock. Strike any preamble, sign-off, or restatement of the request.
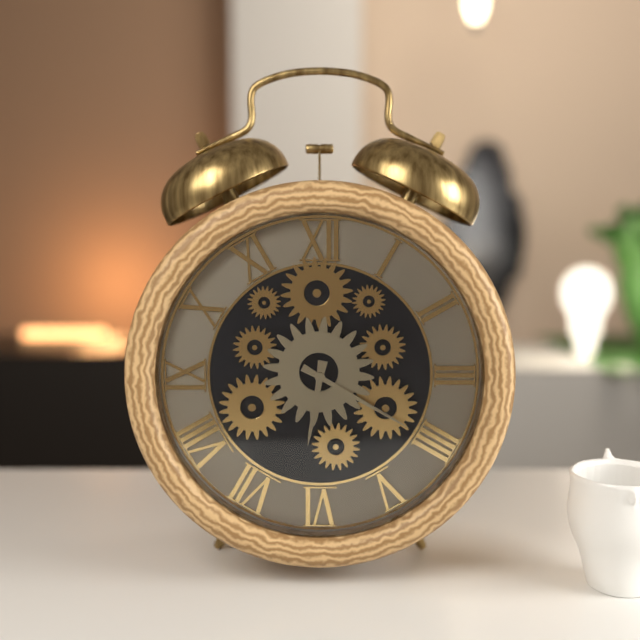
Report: 6:20
